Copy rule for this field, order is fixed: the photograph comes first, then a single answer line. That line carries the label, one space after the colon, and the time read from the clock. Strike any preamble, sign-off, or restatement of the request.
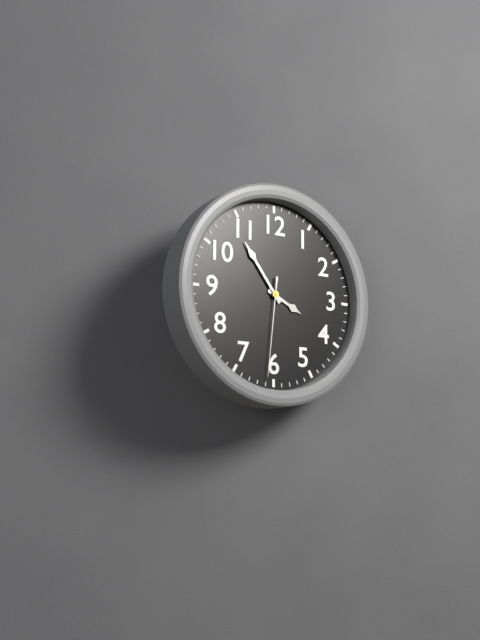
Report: 3:54:31
